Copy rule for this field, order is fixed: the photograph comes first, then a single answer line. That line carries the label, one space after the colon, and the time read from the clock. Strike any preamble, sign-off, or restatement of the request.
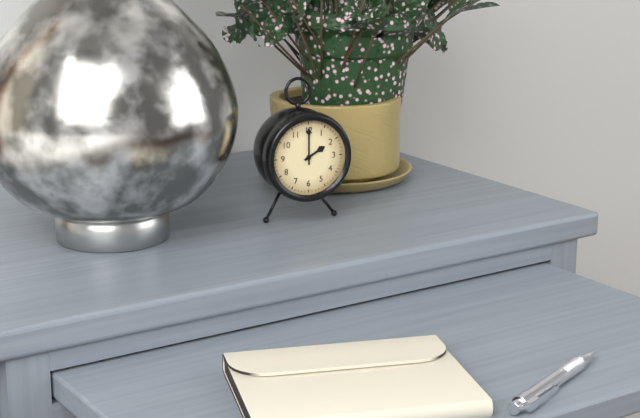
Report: 2:00
